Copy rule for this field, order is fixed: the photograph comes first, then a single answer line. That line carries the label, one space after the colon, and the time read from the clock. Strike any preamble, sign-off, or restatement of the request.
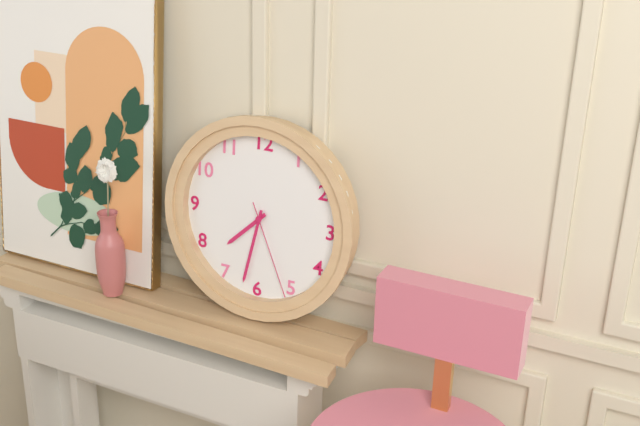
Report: 7:32:26
